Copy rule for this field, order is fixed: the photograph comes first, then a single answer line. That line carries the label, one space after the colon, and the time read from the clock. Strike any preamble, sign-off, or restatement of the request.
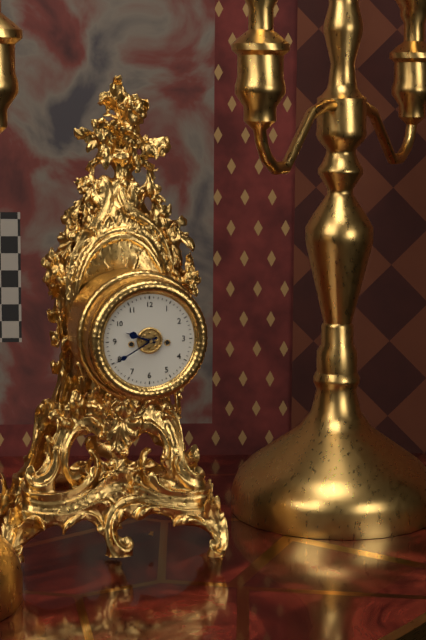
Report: 9:40
